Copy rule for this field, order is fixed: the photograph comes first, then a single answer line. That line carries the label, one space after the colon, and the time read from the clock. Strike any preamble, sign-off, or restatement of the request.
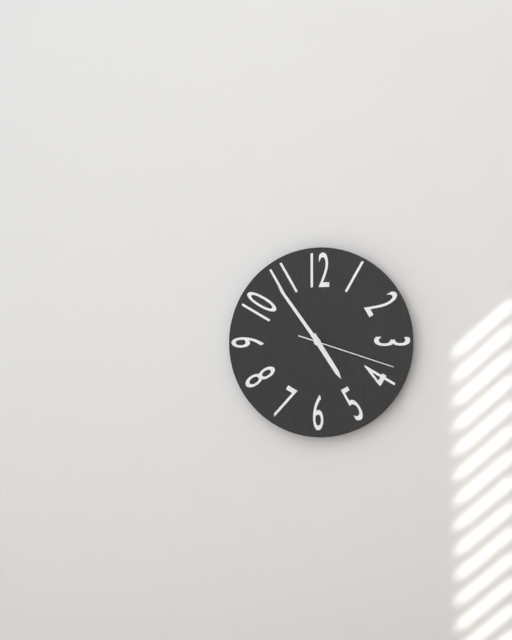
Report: 4:54:18
